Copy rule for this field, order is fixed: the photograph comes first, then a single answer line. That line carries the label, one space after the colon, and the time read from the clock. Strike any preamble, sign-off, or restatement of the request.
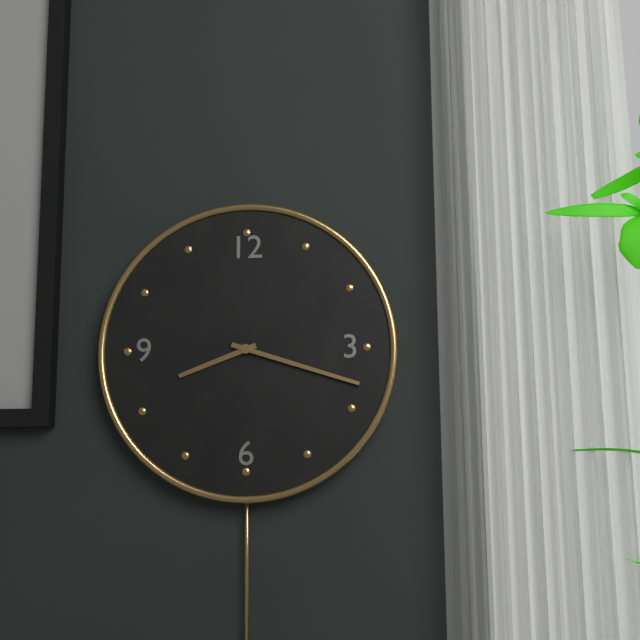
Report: 8:18
